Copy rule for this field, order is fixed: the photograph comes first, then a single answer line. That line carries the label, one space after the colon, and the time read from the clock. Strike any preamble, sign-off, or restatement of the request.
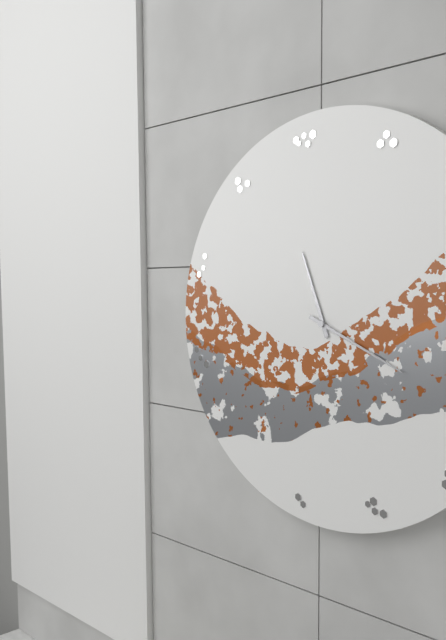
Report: 11:19
